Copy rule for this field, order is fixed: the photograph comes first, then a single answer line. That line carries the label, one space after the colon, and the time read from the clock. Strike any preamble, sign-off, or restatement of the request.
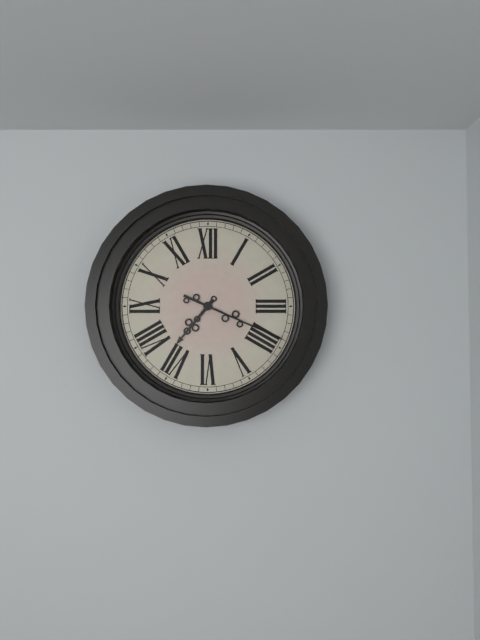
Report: 7:19
